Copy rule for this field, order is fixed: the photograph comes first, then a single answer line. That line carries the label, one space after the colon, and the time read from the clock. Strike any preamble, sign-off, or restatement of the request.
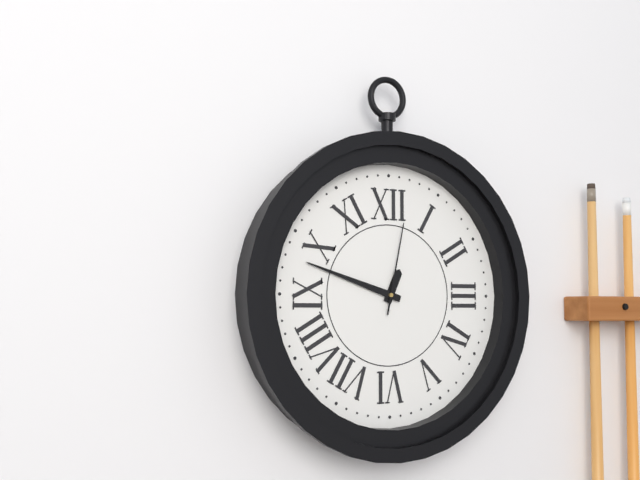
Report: 12:48:02
